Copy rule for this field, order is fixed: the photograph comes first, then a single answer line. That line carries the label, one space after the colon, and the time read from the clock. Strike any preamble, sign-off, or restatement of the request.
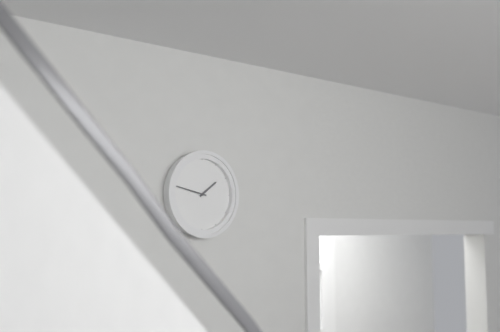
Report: 1:47
